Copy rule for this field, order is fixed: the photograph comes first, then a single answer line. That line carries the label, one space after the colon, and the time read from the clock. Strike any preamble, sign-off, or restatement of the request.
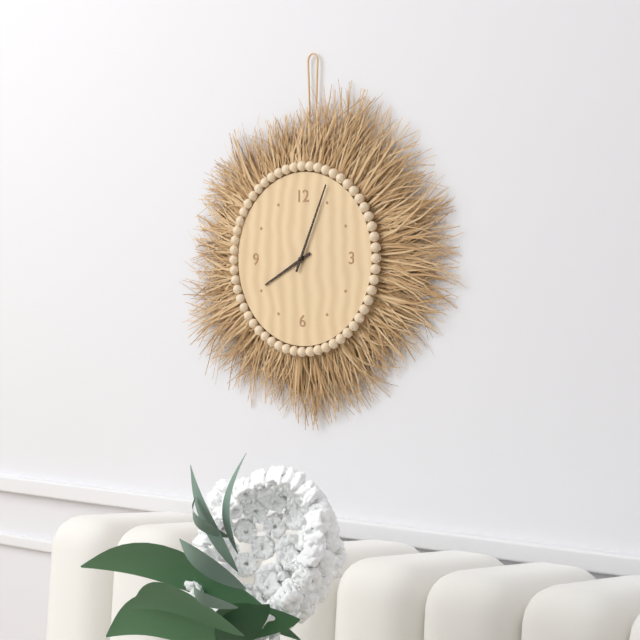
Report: 8:04
